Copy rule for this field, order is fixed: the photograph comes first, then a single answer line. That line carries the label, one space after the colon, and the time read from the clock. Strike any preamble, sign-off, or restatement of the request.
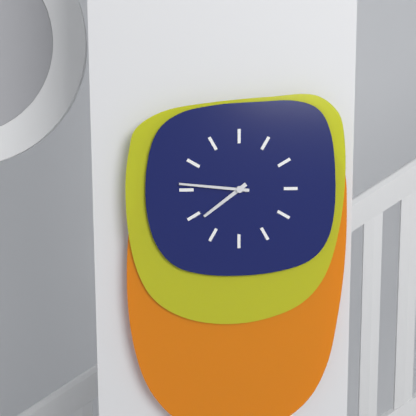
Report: 7:46
